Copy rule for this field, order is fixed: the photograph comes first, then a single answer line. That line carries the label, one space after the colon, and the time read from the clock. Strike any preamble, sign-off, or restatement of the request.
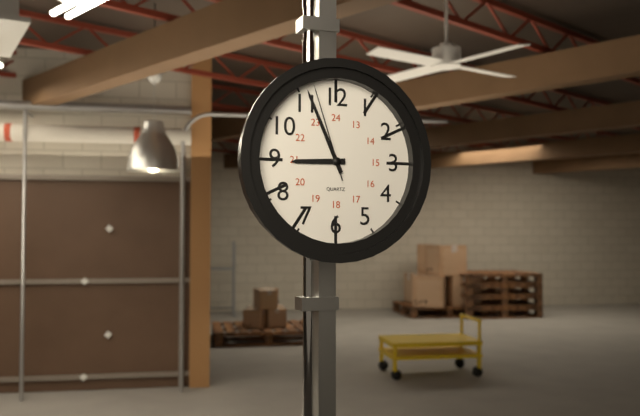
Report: 8:56:57
